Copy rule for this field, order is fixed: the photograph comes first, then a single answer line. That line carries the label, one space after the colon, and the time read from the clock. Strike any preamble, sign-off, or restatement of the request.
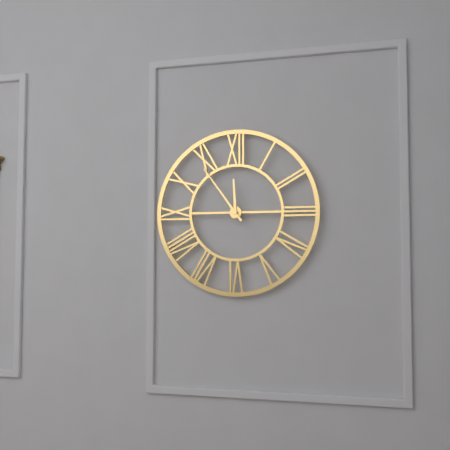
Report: 11:54
